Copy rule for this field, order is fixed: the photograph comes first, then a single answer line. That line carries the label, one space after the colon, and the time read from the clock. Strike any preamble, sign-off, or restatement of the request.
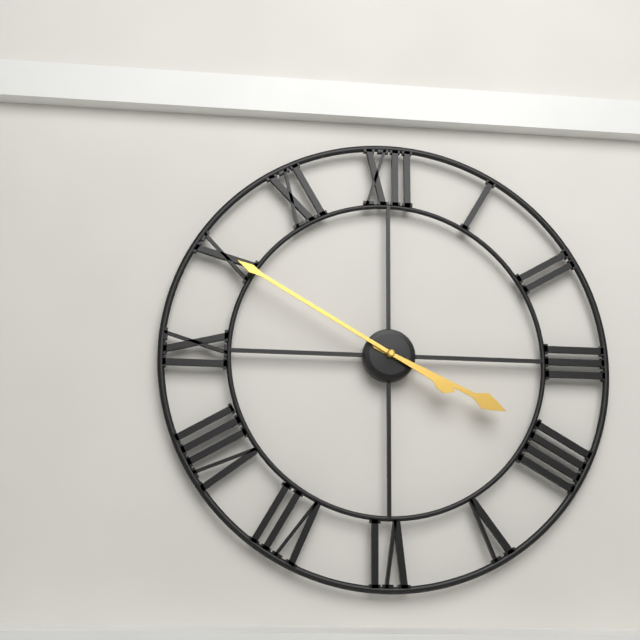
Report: 3:50
